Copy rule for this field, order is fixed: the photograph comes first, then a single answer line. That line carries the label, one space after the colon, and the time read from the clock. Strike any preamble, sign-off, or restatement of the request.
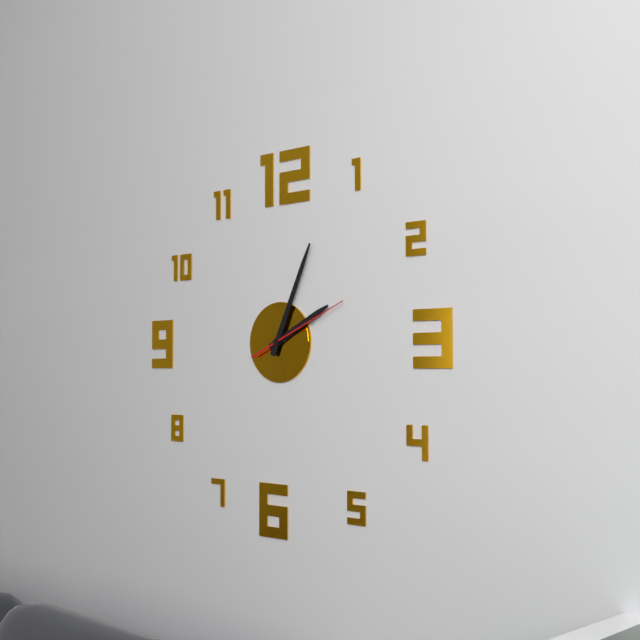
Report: 2:04:11
